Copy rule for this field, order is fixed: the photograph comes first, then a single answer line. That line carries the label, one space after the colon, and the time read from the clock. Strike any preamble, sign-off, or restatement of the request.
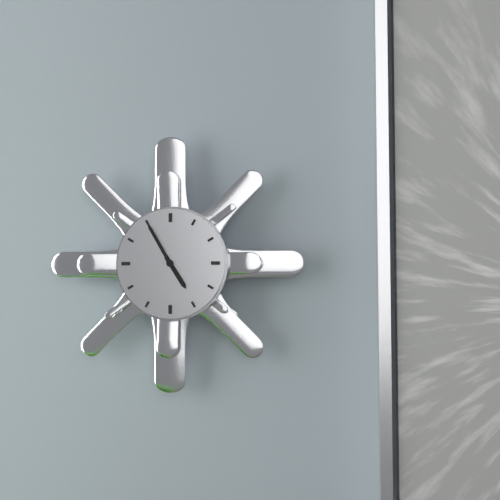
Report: 4:55
